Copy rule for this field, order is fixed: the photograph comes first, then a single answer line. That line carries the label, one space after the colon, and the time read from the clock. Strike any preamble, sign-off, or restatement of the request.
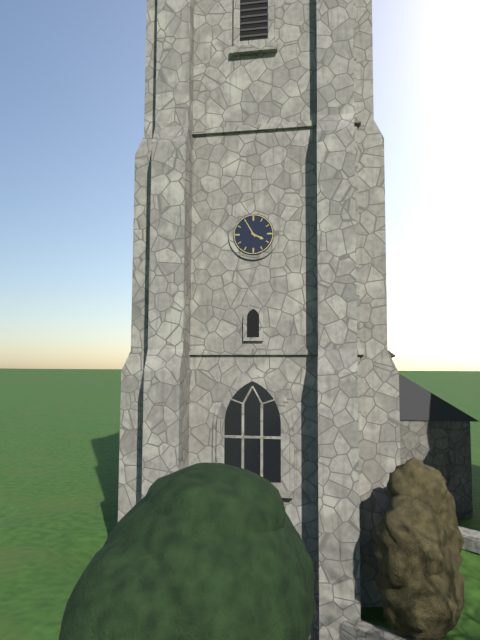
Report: 3:55
